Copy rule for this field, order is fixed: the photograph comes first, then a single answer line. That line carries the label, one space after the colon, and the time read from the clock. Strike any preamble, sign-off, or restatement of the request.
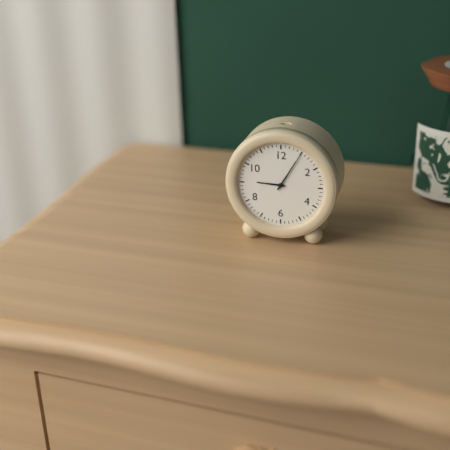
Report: 9:05
